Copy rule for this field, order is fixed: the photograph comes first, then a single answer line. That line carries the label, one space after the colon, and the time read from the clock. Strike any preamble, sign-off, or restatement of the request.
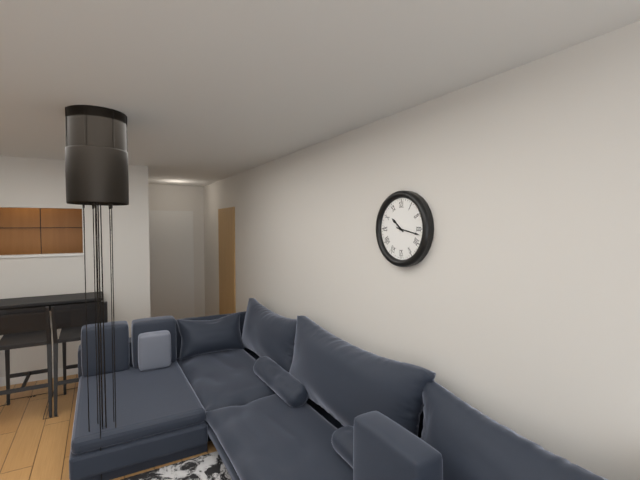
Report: 10:17
